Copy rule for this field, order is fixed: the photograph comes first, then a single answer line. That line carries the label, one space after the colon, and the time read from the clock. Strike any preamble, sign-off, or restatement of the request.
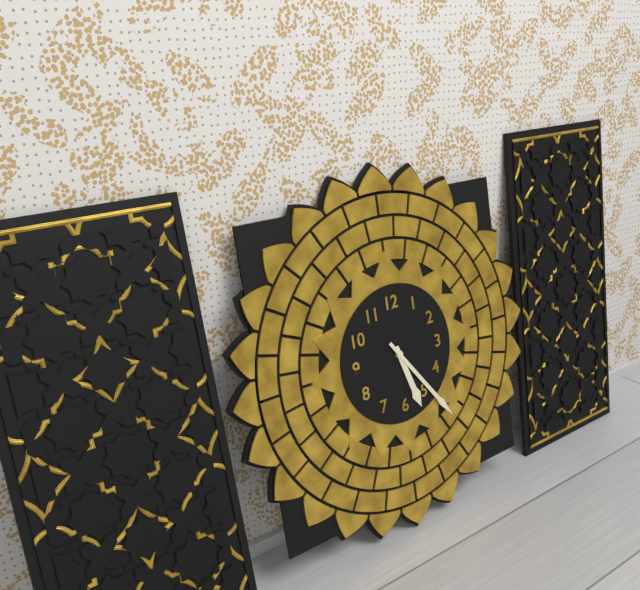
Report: 5:24
